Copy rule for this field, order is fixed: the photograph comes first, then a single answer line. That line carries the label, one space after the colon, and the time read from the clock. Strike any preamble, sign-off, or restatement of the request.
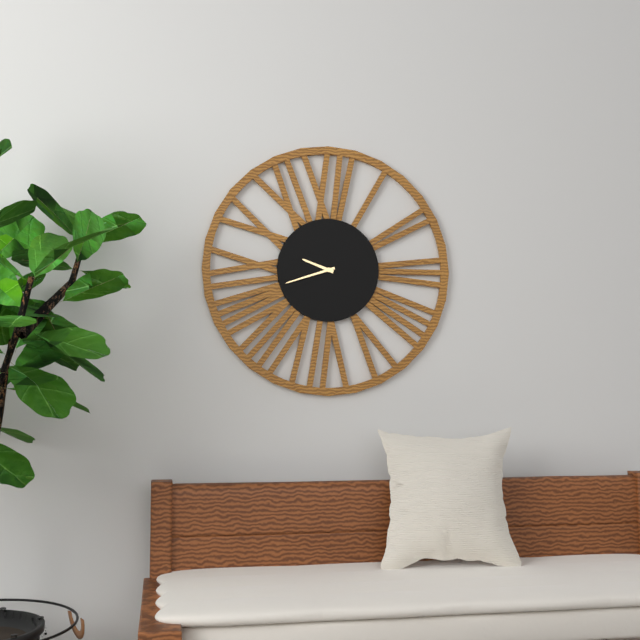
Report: 9:42
